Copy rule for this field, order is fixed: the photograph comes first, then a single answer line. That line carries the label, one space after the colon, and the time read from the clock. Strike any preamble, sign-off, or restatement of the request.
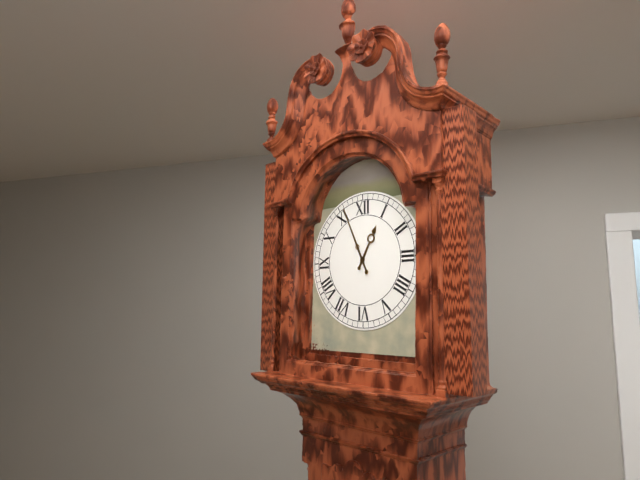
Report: 12:56
